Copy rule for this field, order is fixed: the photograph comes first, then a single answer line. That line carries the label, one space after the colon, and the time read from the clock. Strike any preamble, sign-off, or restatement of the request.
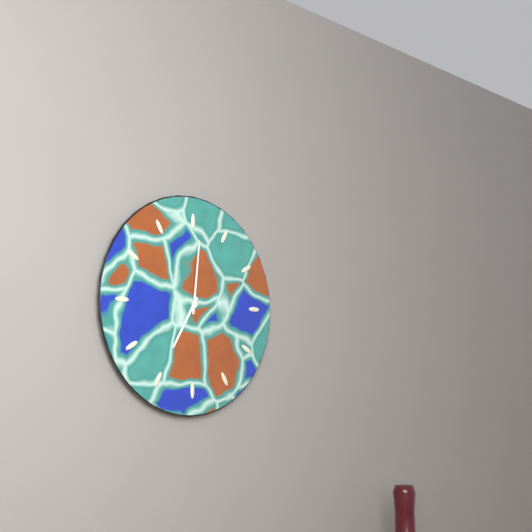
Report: 7:01
